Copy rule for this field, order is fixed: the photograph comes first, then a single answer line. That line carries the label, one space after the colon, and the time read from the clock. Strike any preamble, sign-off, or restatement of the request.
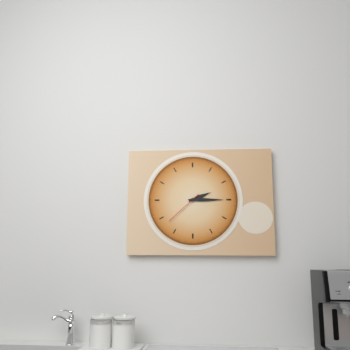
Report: 2:15
